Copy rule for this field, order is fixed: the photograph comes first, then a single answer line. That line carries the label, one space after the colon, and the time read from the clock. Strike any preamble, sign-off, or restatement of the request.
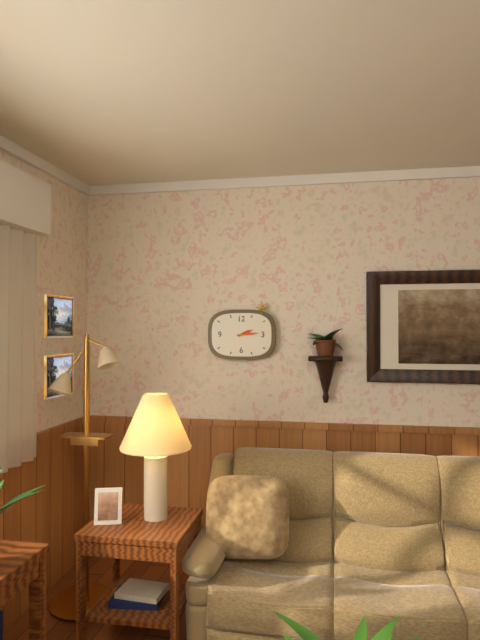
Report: 2:14
